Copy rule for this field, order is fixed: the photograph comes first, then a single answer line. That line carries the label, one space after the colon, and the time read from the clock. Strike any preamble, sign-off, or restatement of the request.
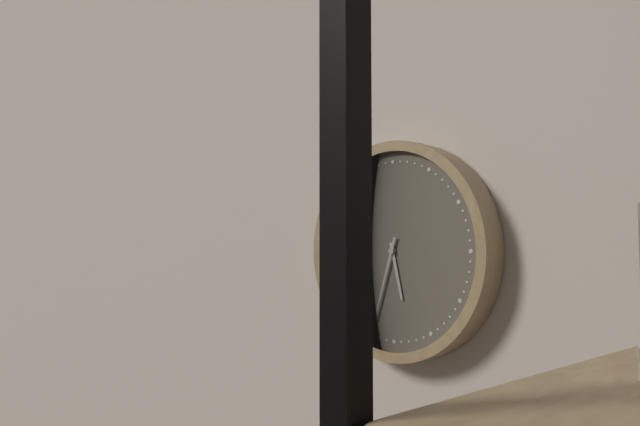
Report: 5:33
